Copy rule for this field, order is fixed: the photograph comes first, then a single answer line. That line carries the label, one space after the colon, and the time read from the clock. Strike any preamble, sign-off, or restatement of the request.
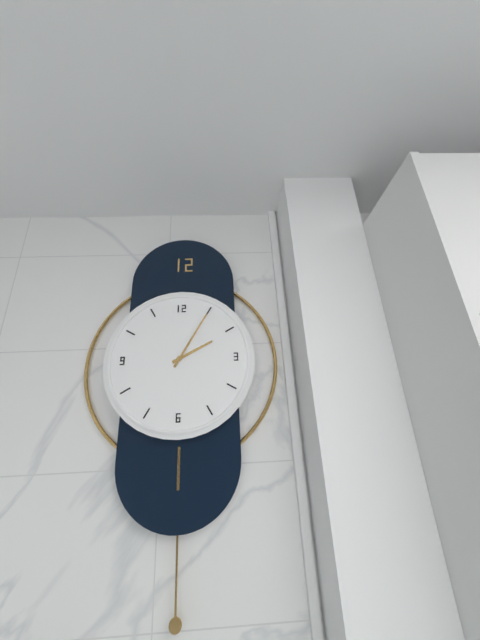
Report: 2:05
